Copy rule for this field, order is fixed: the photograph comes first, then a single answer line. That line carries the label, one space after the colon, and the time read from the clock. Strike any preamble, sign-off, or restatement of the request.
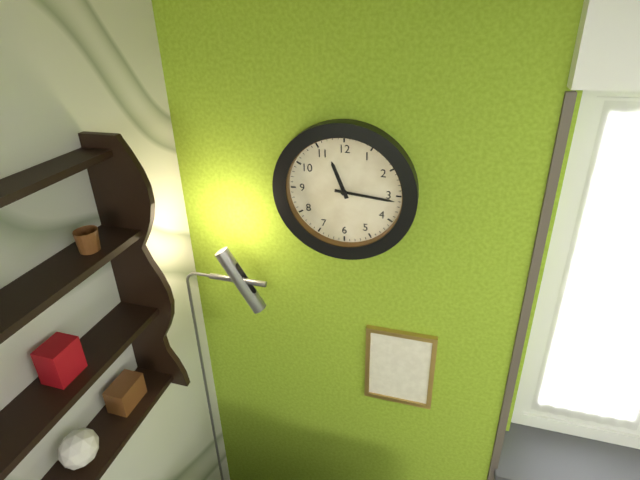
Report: 11:16
